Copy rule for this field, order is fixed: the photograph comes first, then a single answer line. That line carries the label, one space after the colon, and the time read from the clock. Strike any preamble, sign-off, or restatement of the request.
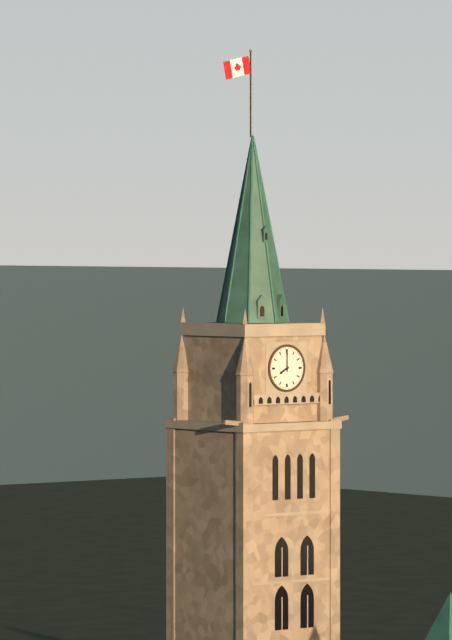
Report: 8:00
